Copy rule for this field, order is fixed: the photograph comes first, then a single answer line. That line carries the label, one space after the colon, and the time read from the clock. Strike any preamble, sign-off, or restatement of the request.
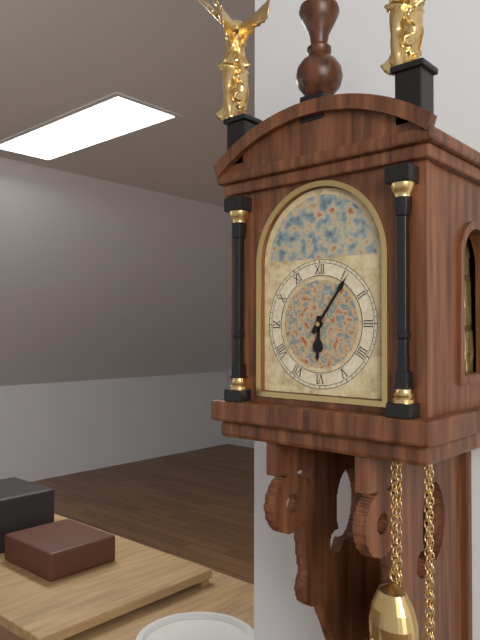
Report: 6:06
